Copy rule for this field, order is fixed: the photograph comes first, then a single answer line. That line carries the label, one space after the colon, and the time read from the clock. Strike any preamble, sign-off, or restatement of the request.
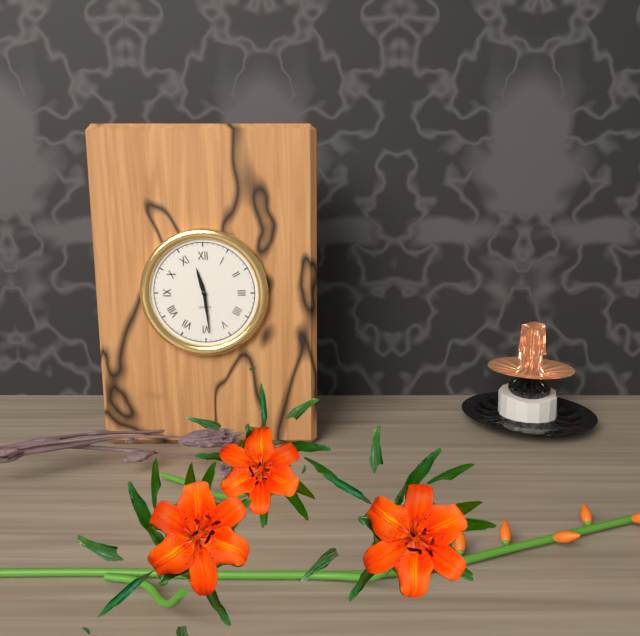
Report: 11:29
